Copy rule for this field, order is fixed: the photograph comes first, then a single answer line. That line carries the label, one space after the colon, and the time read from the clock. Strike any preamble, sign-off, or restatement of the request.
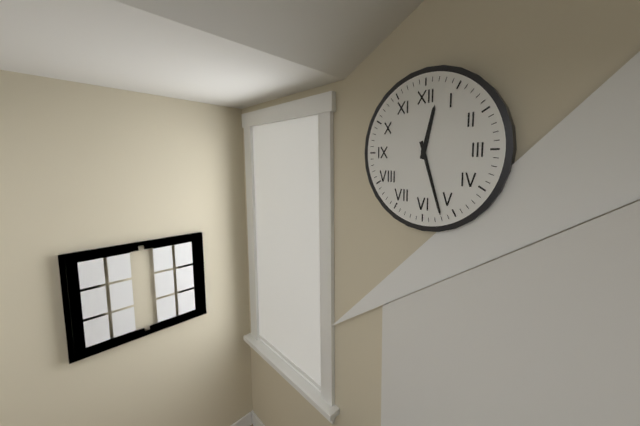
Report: 12:27
